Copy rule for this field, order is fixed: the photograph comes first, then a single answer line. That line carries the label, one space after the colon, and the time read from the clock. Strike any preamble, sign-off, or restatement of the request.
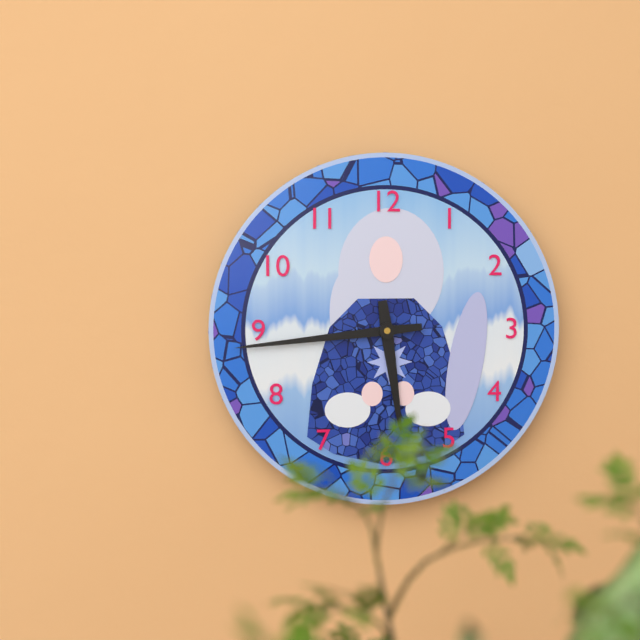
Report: 5:44
